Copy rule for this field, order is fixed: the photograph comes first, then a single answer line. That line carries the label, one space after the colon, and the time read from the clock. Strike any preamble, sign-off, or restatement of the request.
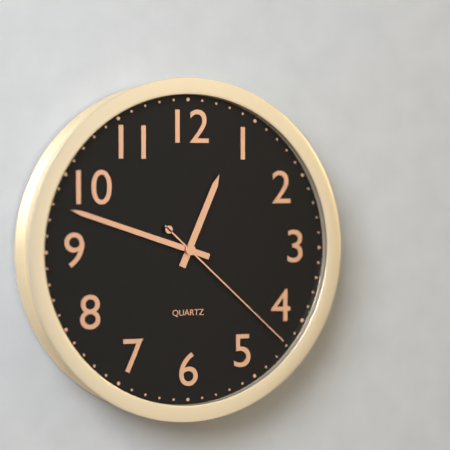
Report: 12:48:22
